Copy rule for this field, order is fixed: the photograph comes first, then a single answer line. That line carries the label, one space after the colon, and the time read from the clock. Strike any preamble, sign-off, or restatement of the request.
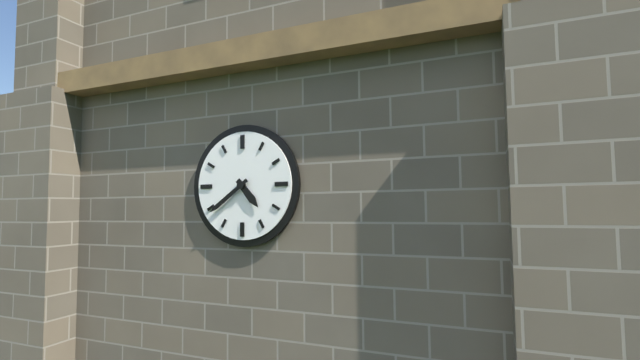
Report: 4:39
